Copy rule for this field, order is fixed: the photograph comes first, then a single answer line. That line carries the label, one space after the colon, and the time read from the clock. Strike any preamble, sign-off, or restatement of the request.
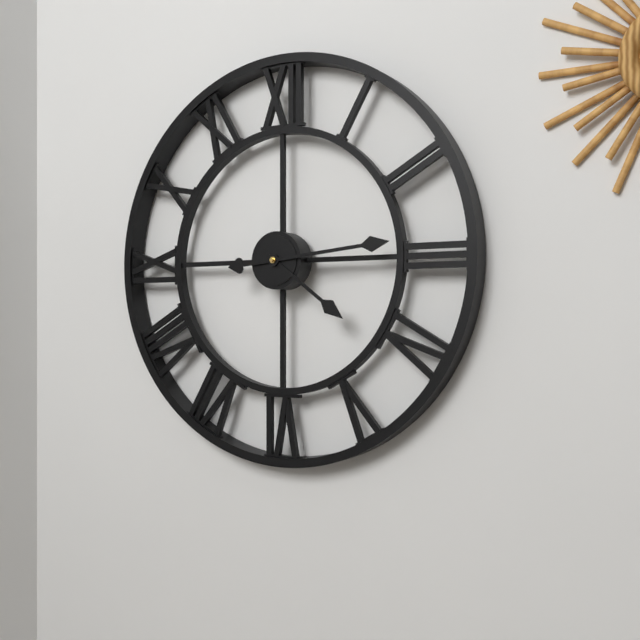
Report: 4:14
